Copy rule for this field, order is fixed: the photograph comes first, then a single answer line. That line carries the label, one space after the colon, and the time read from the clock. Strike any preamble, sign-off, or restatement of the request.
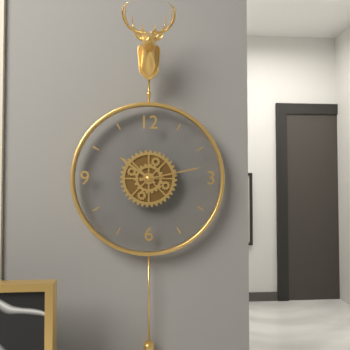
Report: 10:13
